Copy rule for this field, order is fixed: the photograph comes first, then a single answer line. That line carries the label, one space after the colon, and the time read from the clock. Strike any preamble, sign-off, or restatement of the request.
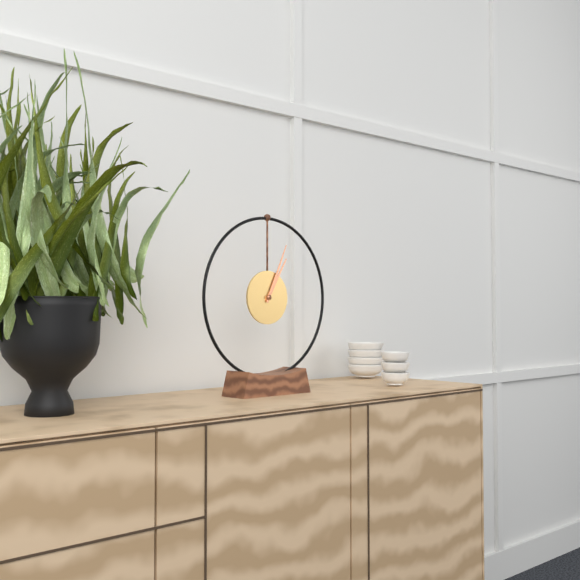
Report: 1:04
